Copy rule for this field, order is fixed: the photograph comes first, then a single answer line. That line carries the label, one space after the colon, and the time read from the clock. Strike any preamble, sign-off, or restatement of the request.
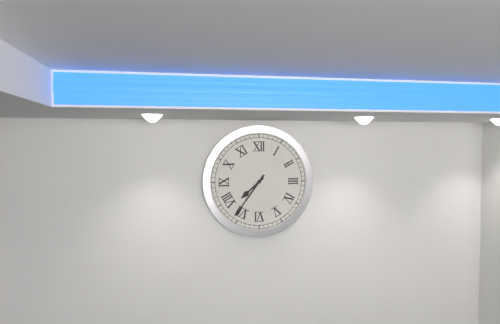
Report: 7:36
